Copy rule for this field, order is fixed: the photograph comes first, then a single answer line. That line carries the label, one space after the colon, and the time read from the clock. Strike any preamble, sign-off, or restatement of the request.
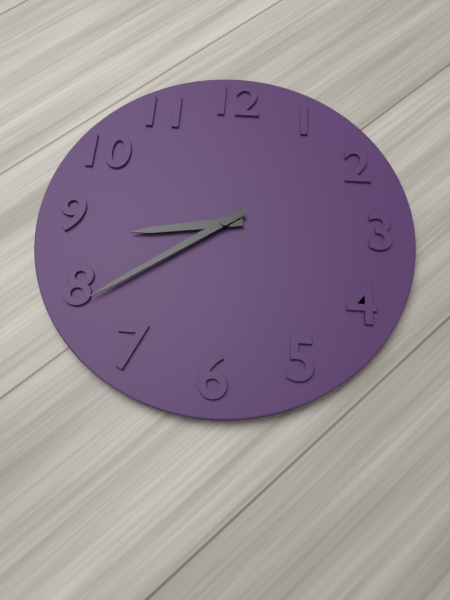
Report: 8:39
